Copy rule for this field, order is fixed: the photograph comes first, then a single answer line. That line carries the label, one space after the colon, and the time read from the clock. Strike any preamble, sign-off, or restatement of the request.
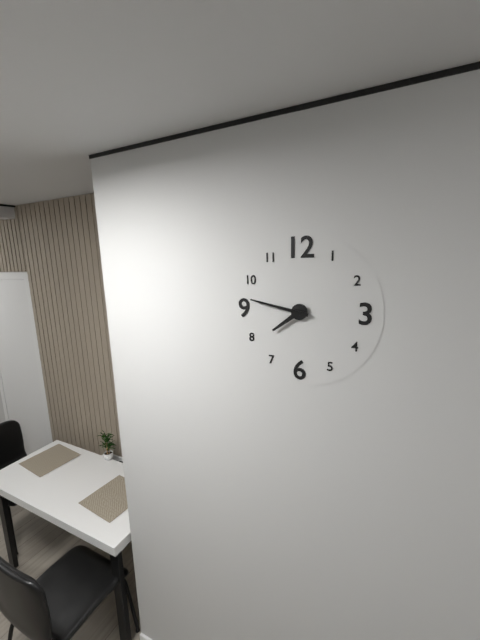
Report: 7:47
